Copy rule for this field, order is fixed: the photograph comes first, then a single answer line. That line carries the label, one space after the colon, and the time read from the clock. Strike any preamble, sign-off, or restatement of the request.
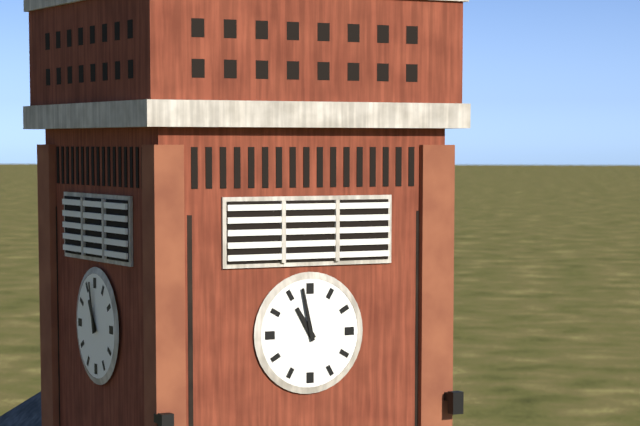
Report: 10:58
